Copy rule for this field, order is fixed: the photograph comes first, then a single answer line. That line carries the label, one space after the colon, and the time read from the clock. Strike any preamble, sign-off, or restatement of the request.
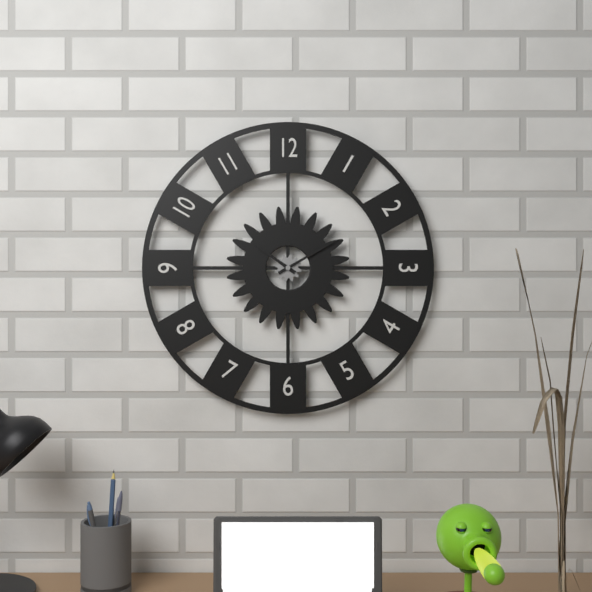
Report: 10:10
